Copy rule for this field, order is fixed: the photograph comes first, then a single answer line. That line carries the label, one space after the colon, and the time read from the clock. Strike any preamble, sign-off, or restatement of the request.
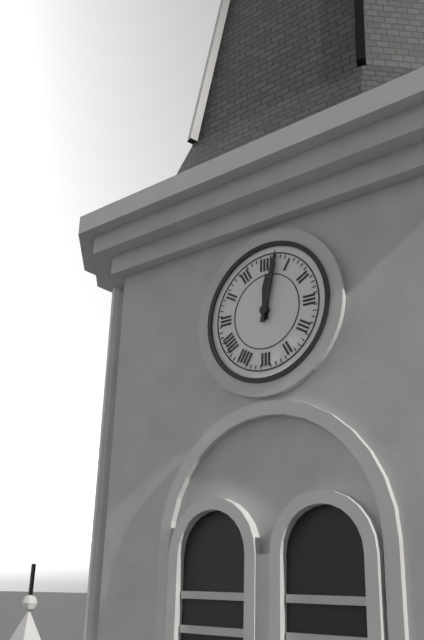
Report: 12:02
